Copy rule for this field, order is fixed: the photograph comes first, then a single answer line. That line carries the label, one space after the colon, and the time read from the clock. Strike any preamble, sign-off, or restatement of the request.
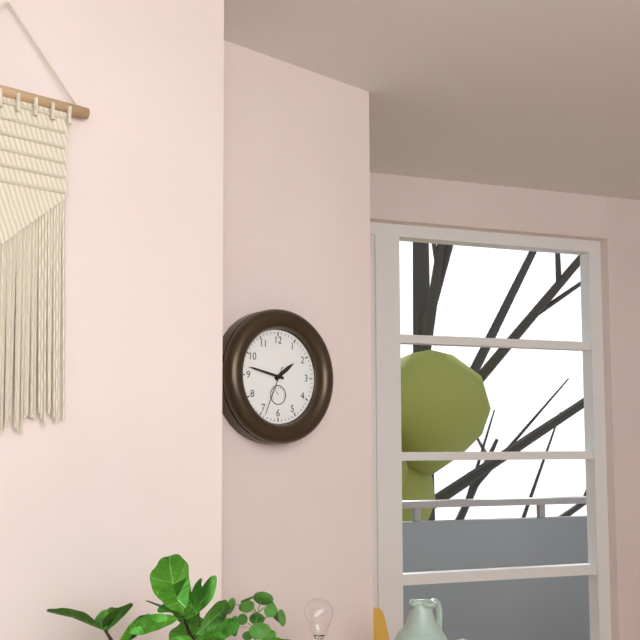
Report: 1:47:34
